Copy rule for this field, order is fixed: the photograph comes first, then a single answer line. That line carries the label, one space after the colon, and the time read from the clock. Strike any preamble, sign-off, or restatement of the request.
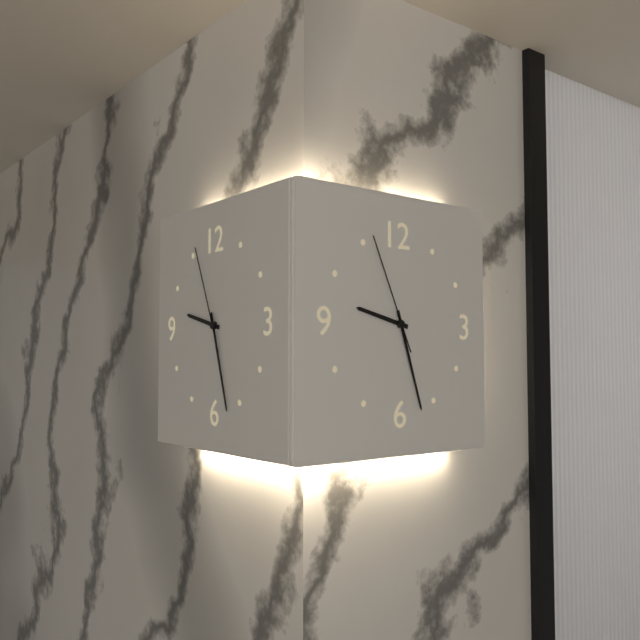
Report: 9:27:56
